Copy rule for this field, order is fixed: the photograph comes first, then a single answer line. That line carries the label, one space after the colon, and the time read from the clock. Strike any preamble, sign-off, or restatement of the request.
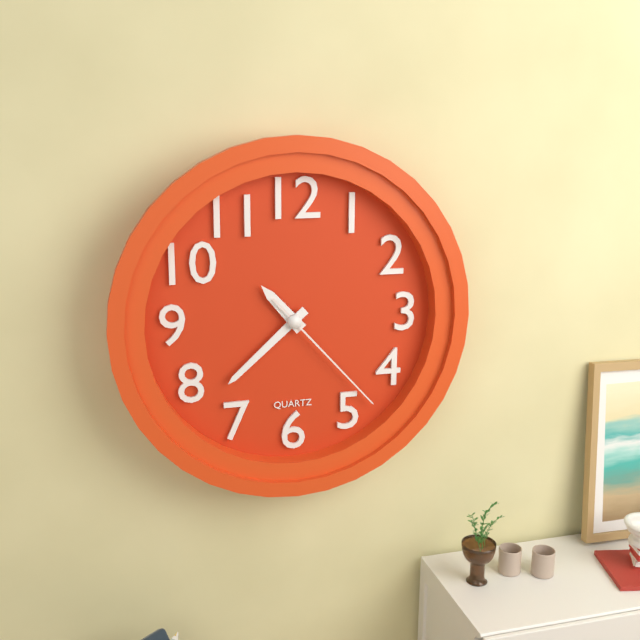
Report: 10:38:23
